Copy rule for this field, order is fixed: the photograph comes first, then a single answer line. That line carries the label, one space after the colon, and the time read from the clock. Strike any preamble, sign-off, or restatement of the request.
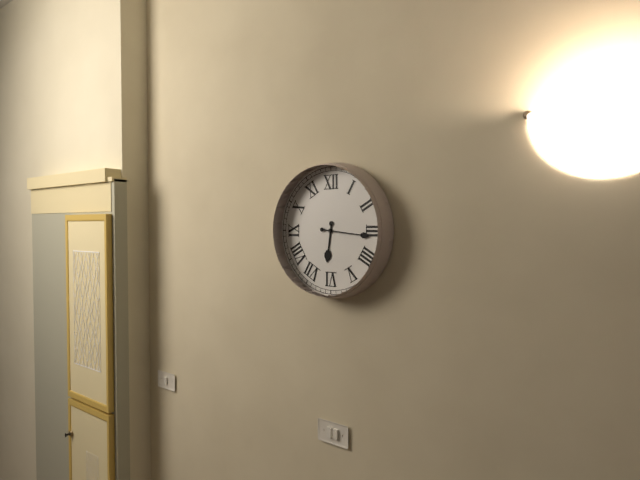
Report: 6:16
